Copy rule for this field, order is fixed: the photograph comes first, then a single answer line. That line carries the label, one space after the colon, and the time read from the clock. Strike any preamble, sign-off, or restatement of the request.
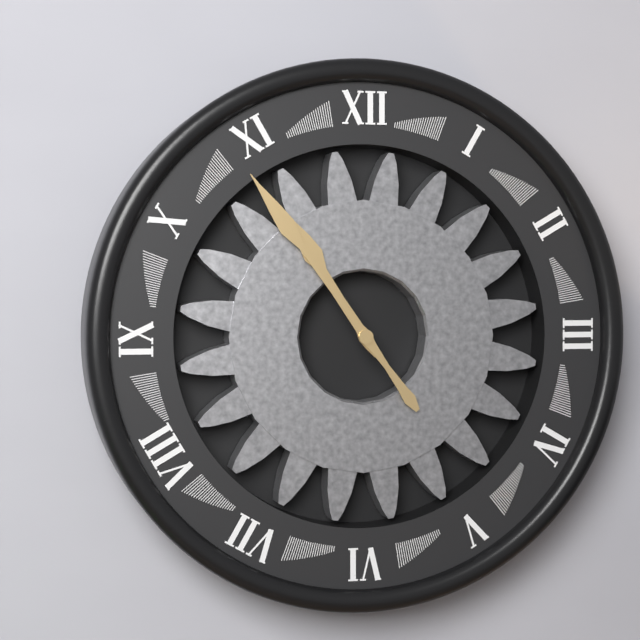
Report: 10:54
